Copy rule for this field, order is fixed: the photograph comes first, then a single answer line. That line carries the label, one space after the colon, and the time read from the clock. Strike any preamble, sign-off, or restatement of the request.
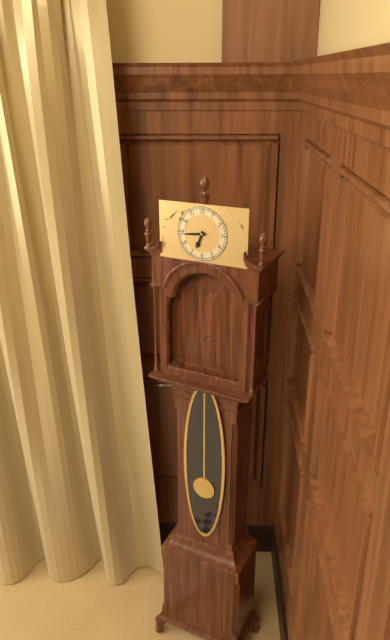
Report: 6:44
